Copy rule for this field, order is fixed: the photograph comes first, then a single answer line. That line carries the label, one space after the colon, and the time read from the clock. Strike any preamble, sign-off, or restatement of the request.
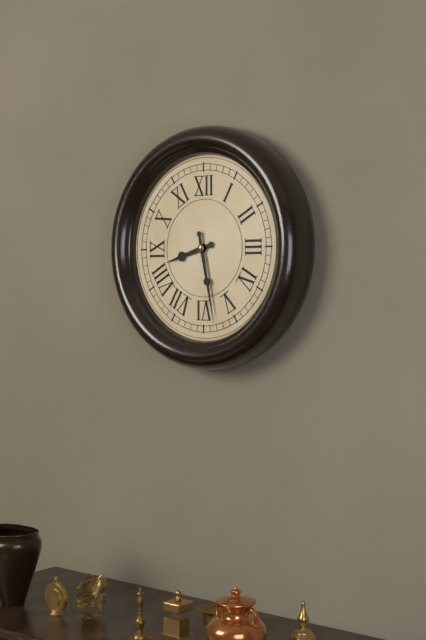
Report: 8:28
